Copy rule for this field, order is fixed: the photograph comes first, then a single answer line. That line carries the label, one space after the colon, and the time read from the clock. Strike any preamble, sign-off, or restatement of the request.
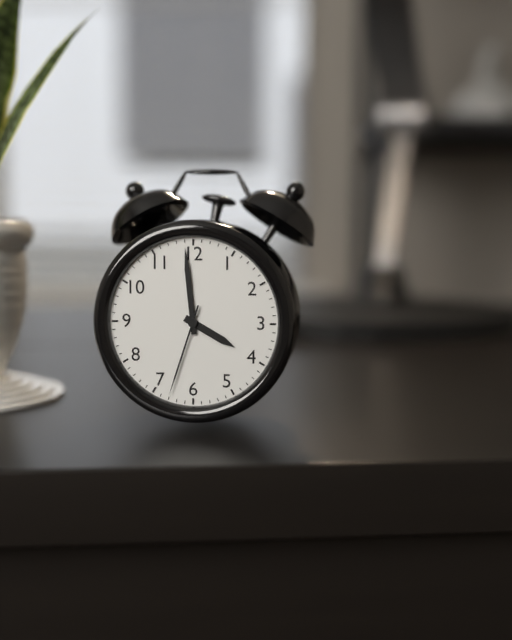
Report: 3:59:33
